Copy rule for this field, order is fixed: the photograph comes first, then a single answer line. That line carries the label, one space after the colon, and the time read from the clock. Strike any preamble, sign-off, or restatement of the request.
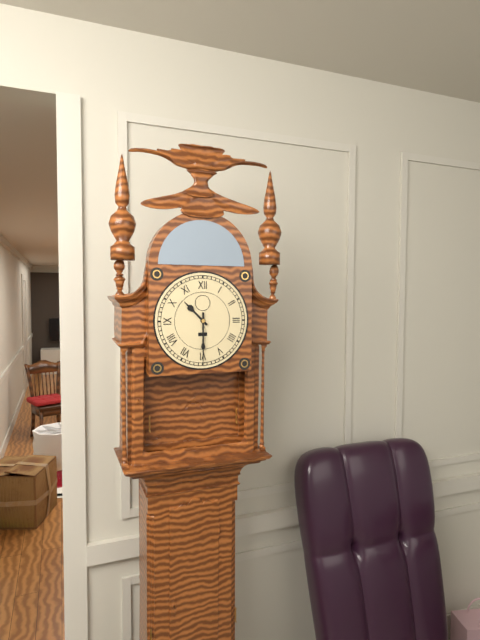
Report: 10:30
